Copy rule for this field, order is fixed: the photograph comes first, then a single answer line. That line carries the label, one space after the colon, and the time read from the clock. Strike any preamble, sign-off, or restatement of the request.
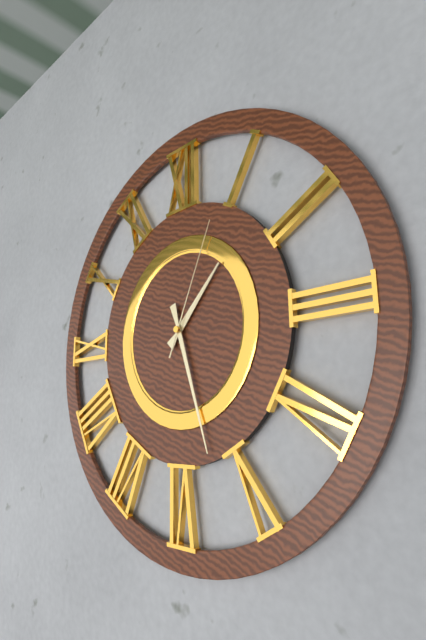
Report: 1:27:04
